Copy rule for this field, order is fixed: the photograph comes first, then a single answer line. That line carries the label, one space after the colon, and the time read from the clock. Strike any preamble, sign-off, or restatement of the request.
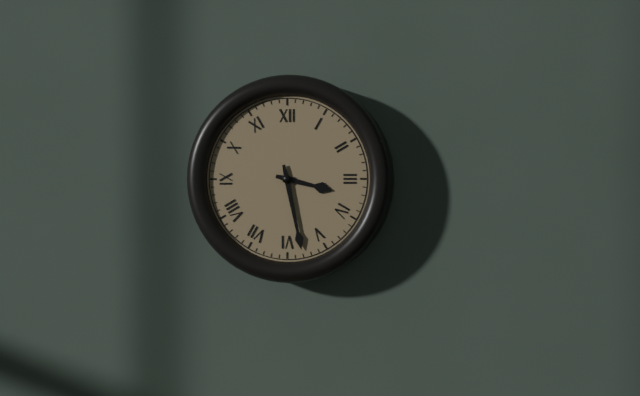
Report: 3:28
